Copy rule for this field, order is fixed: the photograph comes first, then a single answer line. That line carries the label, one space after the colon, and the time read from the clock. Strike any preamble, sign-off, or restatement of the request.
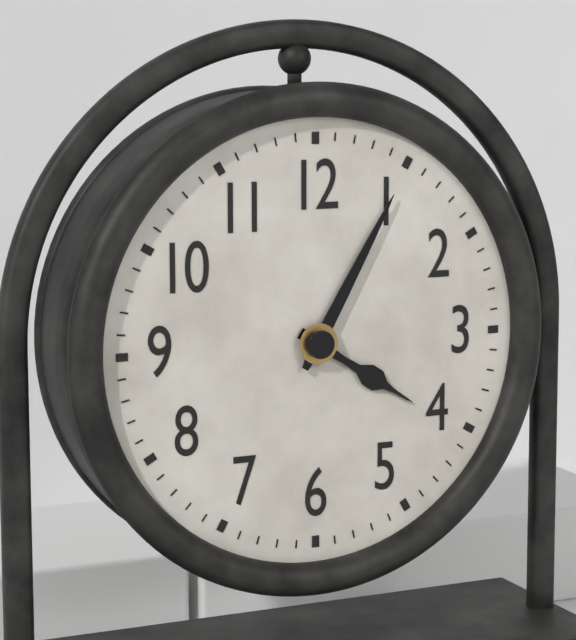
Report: 4:05
